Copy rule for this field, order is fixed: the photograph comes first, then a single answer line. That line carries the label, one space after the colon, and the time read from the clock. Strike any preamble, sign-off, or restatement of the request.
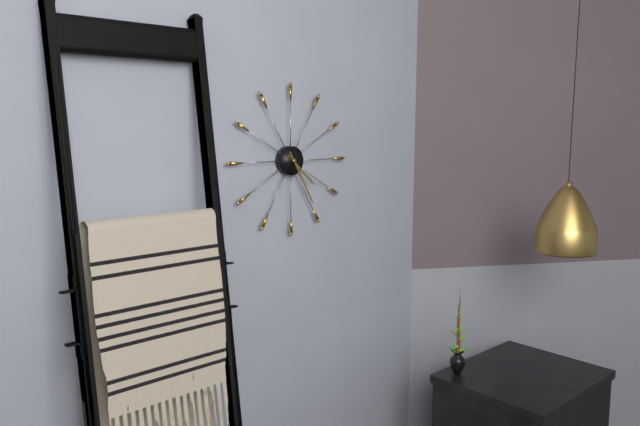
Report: 4:25
